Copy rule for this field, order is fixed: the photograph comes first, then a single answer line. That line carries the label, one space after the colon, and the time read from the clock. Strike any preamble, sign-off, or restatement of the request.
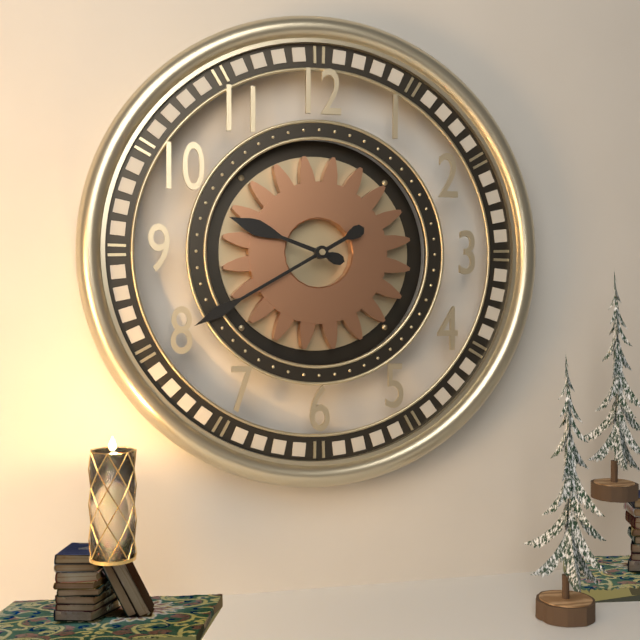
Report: 9:40
